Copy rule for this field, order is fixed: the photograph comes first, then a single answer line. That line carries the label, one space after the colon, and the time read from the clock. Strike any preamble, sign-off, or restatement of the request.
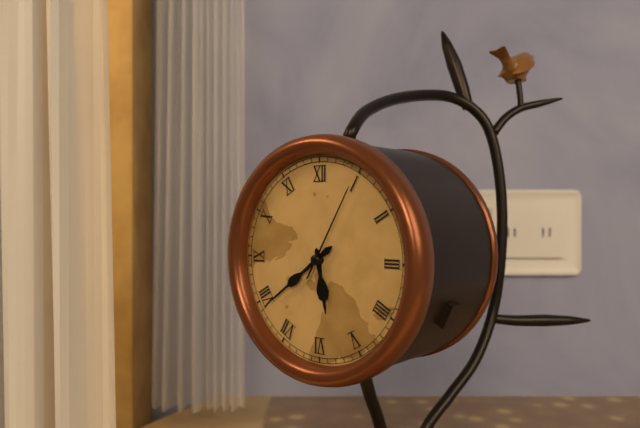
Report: 5:39:05
